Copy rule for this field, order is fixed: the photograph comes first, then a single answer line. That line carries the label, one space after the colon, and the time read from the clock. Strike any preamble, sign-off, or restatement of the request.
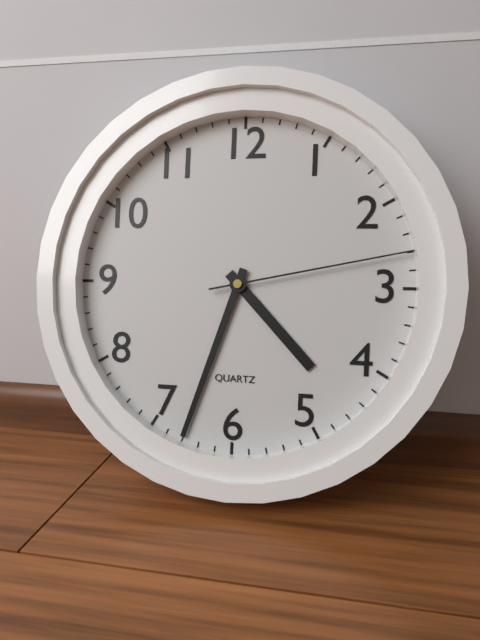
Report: 4:33:13
